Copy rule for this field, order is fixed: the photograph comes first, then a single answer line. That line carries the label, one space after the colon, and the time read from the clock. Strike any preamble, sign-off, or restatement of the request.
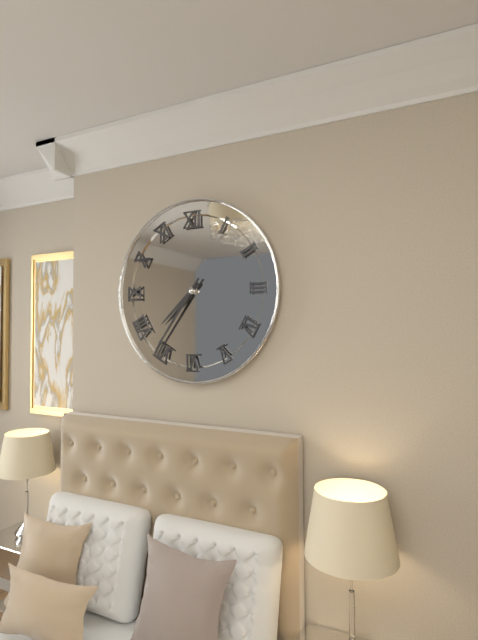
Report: 7:36
